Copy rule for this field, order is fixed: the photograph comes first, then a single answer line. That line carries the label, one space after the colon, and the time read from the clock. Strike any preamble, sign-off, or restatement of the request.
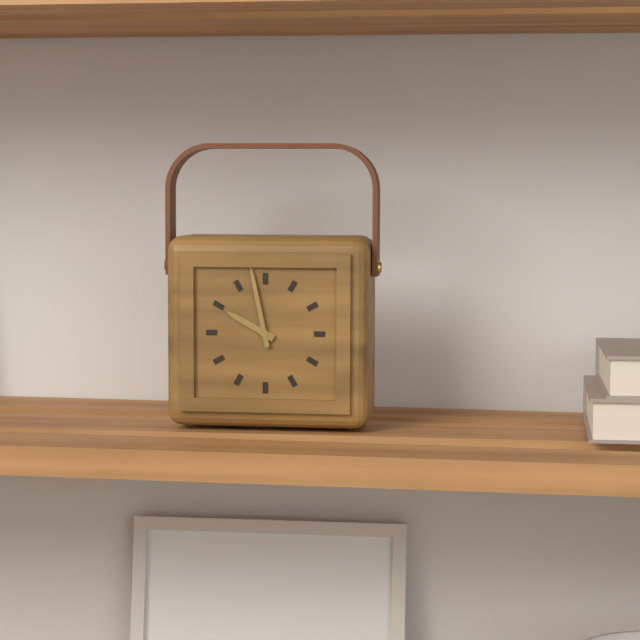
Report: 9:58
